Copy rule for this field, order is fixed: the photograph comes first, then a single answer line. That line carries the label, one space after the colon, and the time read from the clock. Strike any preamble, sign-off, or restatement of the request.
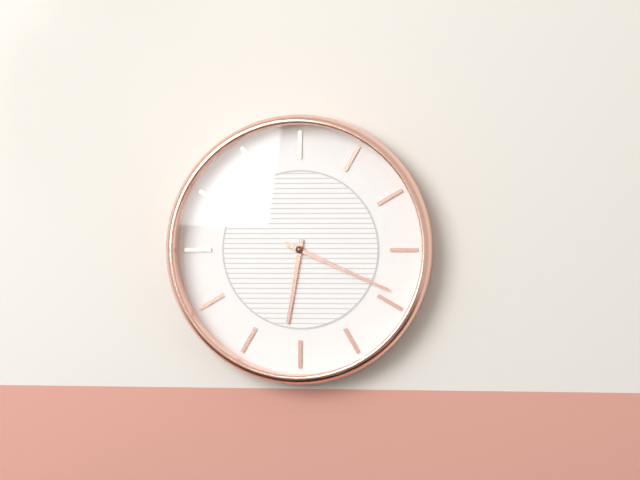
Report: 6:19
